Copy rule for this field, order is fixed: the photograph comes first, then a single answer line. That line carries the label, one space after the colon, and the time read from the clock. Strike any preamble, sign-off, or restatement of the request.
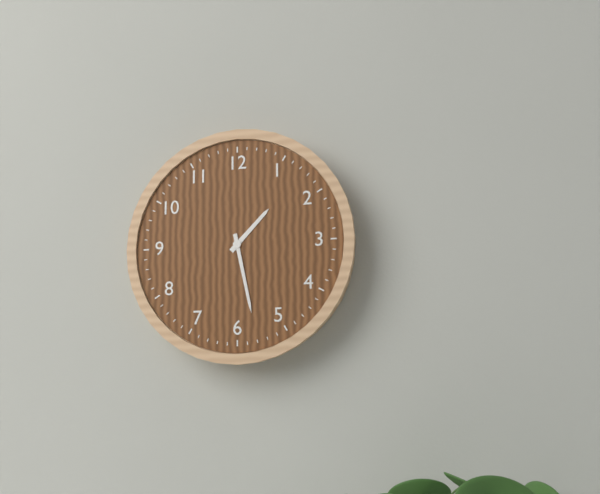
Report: 1:28
